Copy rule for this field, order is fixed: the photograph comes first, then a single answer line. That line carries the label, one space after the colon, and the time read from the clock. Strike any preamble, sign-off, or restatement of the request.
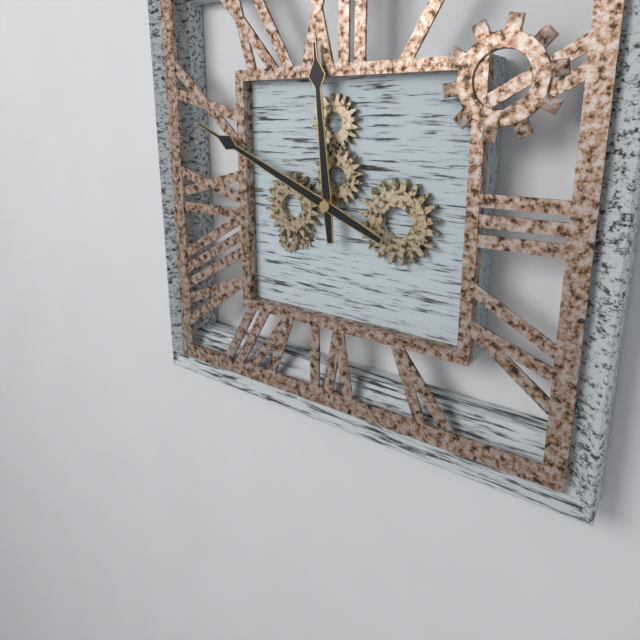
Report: 11:49
